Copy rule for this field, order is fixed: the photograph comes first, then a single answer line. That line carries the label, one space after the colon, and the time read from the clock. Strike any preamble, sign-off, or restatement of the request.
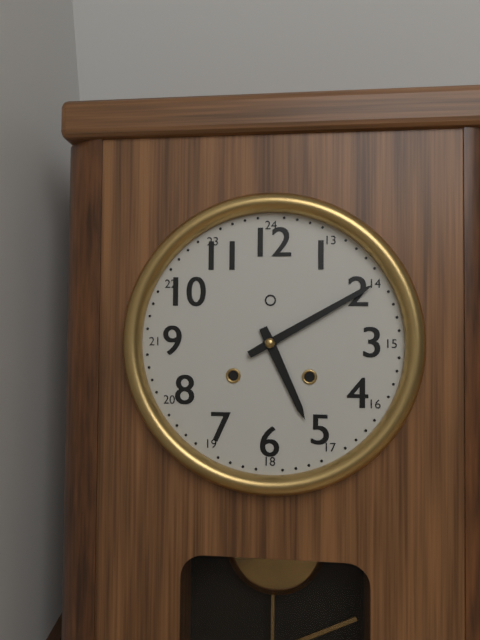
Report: 5:10
